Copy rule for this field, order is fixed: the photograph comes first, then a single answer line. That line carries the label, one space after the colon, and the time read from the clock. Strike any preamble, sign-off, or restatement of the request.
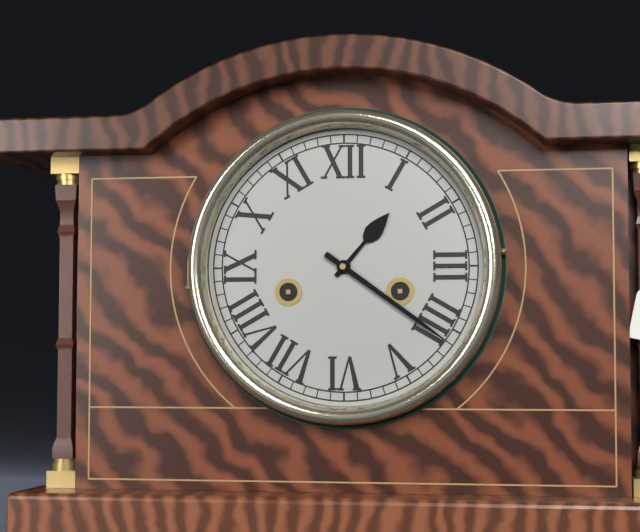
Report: 1:21
